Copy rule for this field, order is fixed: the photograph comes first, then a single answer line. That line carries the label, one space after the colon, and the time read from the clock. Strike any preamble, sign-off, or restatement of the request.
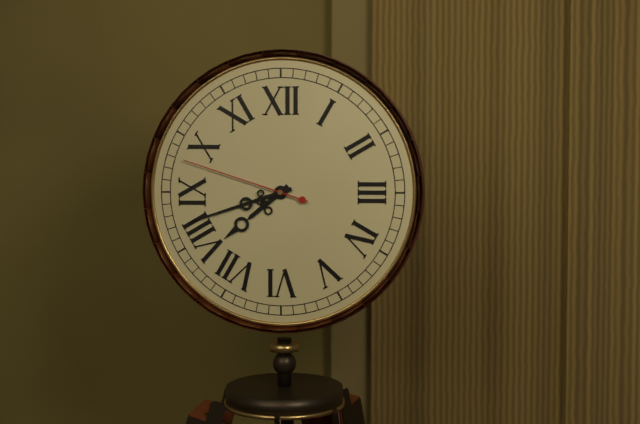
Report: 7:42:48
